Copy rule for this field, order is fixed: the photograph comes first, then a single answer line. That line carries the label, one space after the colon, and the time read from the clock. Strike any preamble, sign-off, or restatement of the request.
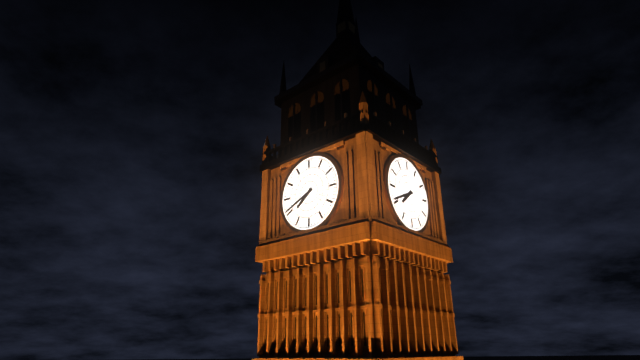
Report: 7:41
